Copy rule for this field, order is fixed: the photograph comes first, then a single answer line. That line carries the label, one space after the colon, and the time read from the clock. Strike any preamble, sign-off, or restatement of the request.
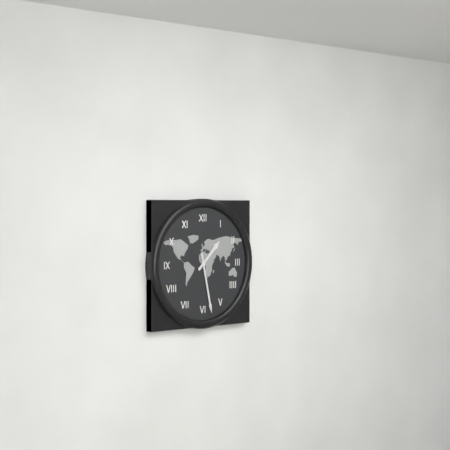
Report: 1:28
